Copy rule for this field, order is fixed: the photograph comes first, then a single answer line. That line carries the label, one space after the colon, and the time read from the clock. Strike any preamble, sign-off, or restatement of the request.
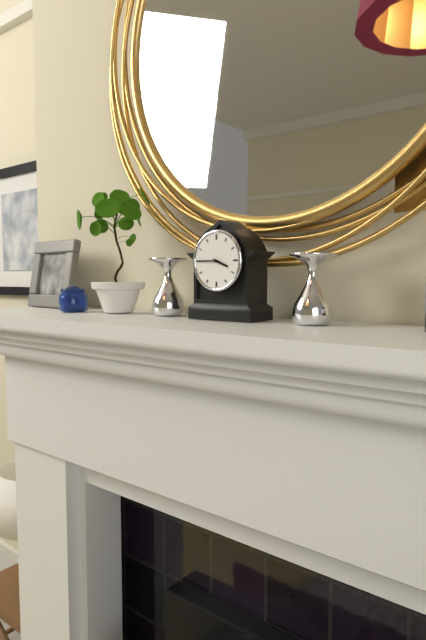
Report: 3:45
